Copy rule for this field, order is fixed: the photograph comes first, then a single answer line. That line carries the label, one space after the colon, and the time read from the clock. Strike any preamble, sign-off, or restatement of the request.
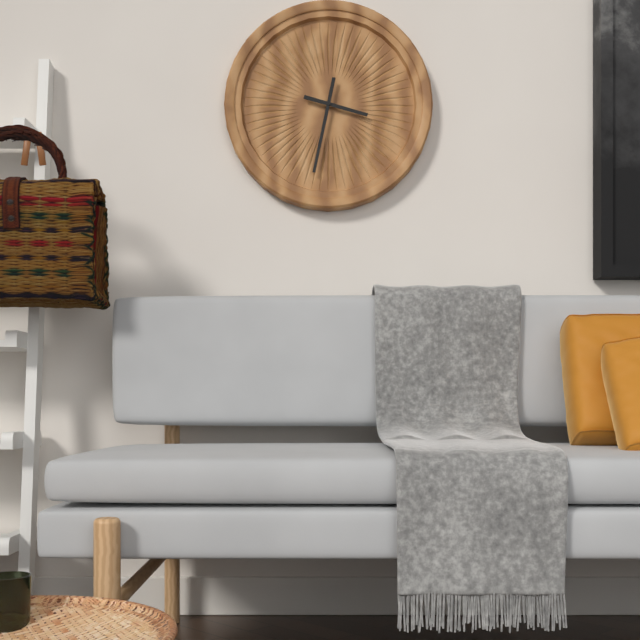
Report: 3:32
